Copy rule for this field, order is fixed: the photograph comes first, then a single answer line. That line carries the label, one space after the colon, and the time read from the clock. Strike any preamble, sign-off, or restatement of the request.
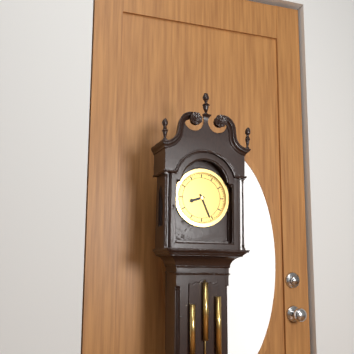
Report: 8:26
